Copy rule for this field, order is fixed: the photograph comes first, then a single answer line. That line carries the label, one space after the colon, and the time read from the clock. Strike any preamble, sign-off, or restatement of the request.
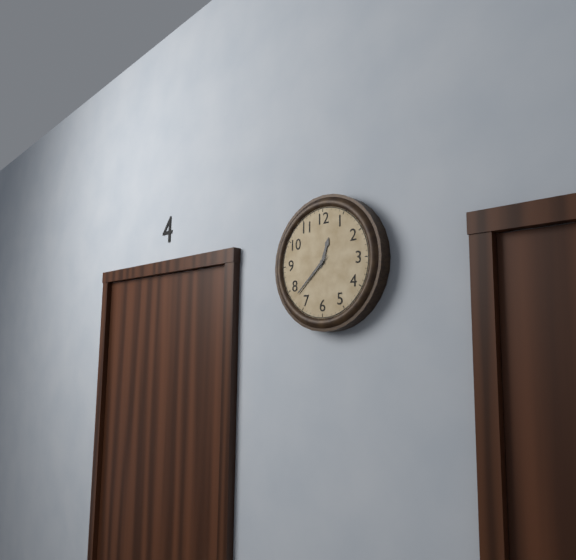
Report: 12:38
